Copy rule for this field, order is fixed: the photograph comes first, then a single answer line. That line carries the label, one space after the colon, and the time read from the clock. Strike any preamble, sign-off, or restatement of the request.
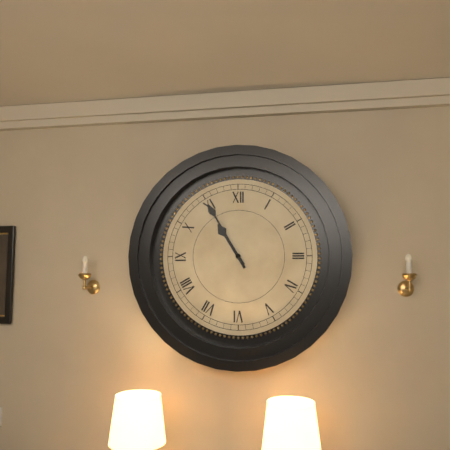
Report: 10:55
